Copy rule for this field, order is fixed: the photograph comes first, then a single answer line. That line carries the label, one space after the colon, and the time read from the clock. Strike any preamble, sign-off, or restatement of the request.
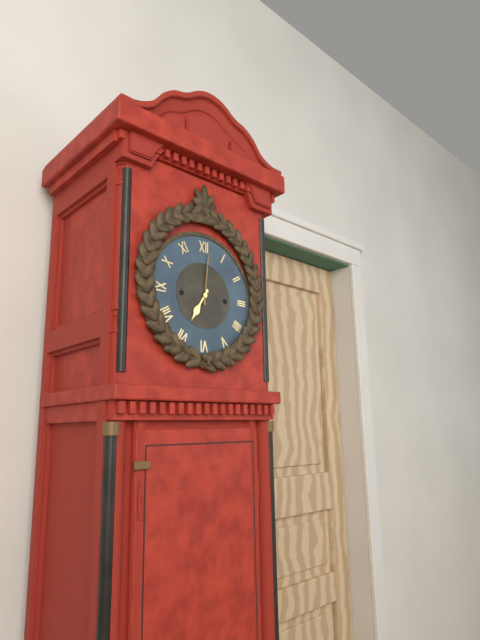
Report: 7:01
